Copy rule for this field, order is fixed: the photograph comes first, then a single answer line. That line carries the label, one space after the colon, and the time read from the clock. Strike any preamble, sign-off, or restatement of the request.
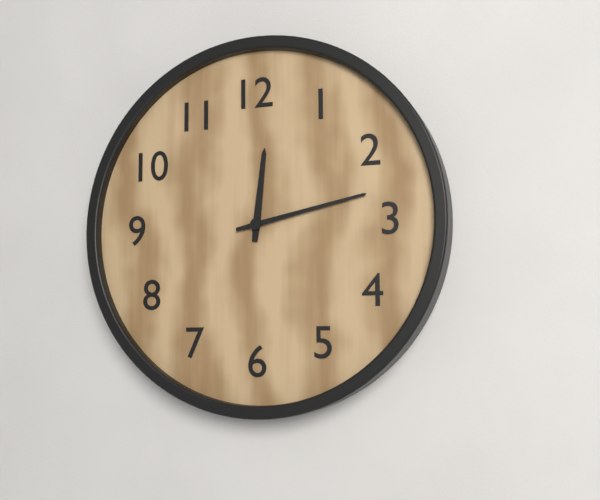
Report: 12:13
